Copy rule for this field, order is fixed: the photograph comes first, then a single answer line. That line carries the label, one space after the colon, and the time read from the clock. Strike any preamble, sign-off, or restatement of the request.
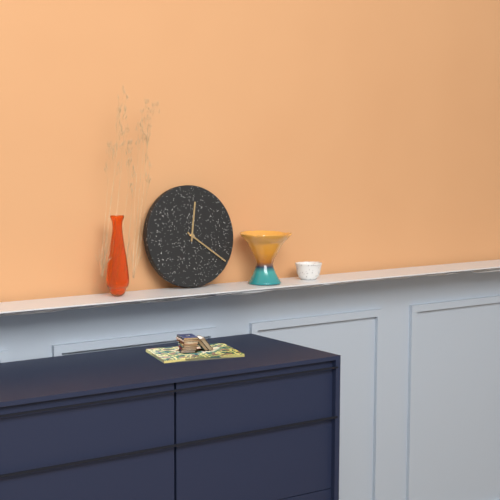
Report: 12:21
